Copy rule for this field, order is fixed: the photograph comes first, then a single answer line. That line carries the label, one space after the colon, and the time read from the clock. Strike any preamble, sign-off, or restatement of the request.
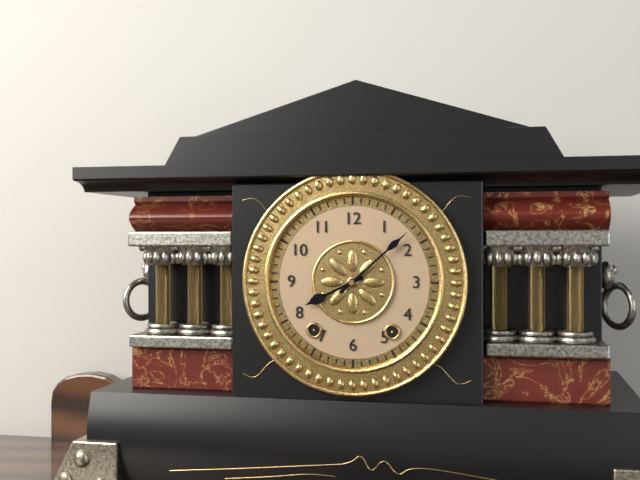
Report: 8:08
